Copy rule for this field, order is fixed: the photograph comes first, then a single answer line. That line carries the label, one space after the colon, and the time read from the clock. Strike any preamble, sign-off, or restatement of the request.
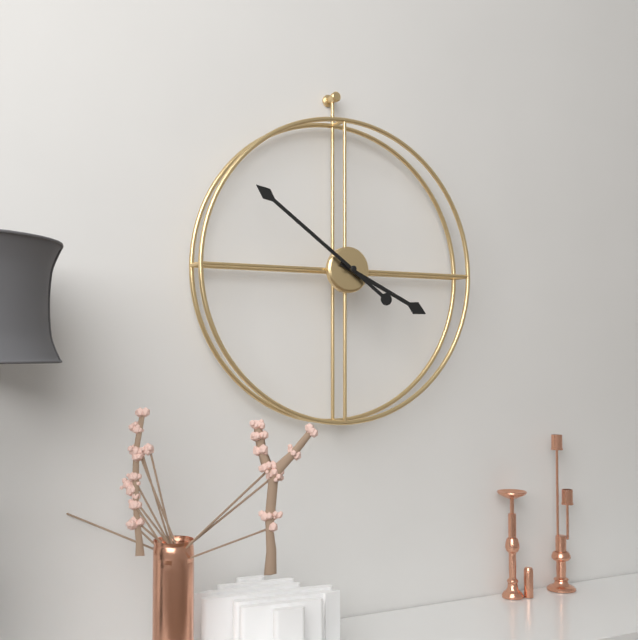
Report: 3:51
